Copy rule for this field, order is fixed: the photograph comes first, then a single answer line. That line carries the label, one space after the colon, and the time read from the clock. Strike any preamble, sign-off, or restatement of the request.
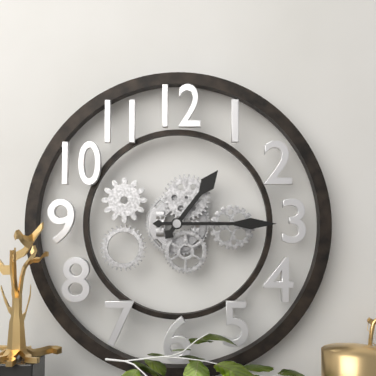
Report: 1:15
